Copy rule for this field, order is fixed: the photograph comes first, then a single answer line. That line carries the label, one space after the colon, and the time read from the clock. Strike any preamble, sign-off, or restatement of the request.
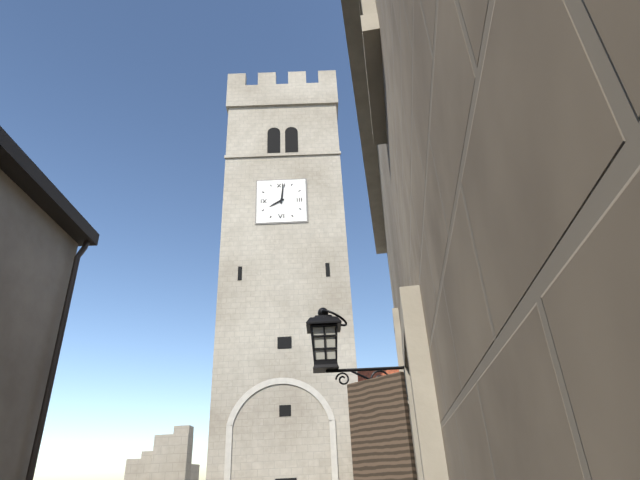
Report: 8:01
